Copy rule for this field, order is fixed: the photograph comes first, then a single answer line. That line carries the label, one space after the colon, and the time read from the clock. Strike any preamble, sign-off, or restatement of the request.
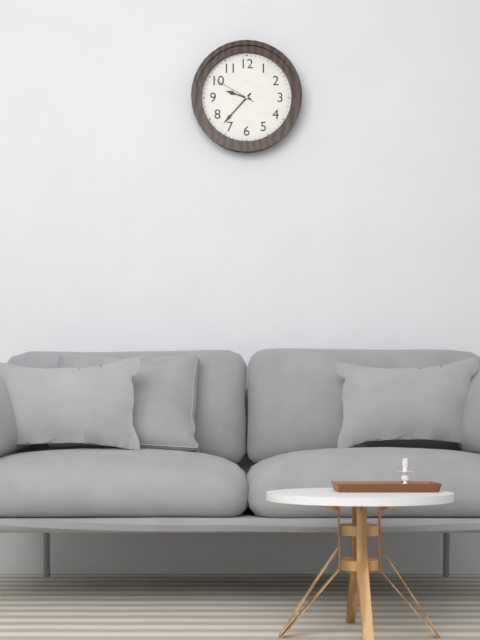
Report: 9:37
